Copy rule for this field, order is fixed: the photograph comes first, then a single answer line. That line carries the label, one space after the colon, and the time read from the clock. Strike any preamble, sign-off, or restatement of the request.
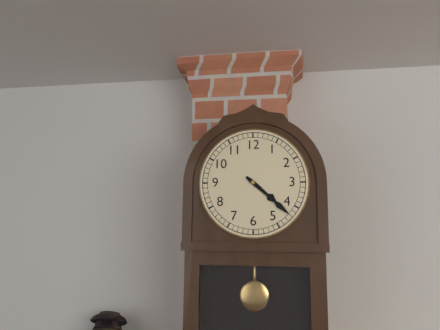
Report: 4:22
